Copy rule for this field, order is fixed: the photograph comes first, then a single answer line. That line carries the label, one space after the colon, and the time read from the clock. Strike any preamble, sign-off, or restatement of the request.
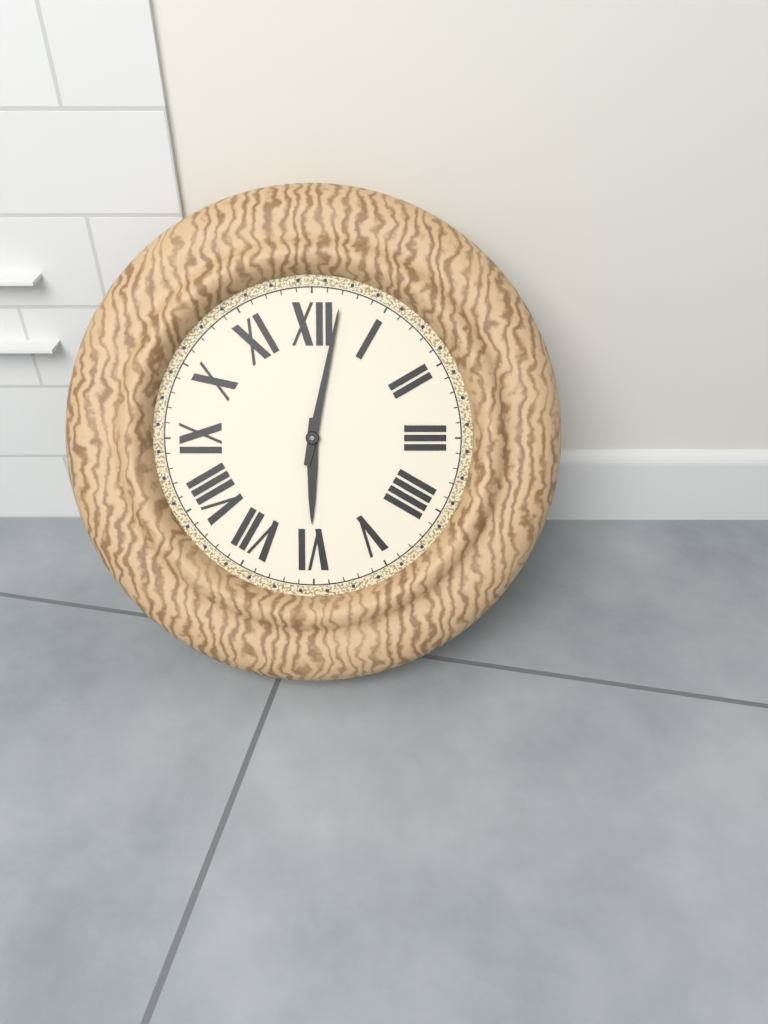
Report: 6:02
